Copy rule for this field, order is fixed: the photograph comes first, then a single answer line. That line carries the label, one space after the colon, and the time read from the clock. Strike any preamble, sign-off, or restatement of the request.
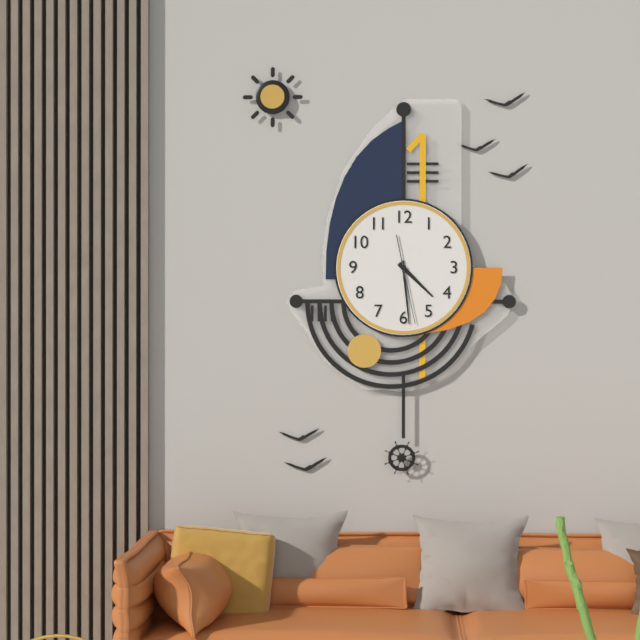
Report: 4:29:28
